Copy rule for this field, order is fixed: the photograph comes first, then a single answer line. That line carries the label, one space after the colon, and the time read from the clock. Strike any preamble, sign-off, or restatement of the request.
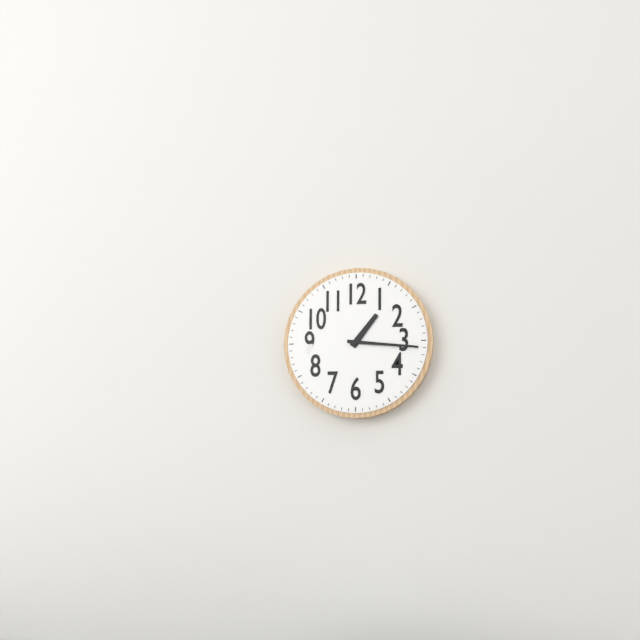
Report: 1:16
